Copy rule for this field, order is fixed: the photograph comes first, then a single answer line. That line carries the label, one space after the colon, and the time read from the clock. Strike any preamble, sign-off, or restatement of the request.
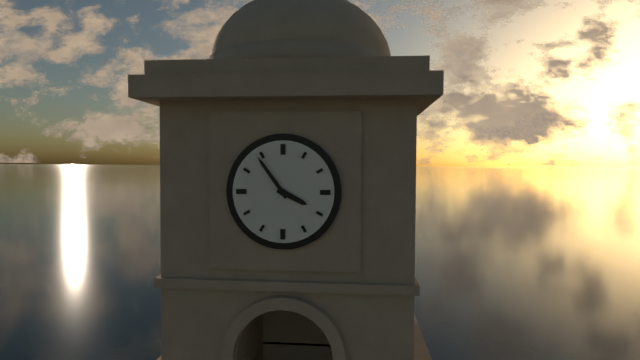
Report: 3:54
